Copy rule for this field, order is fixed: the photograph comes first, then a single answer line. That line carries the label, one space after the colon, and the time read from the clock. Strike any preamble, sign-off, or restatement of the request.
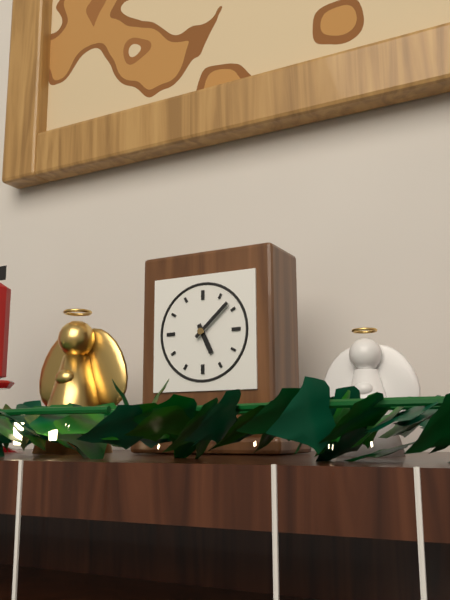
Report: 5:08
